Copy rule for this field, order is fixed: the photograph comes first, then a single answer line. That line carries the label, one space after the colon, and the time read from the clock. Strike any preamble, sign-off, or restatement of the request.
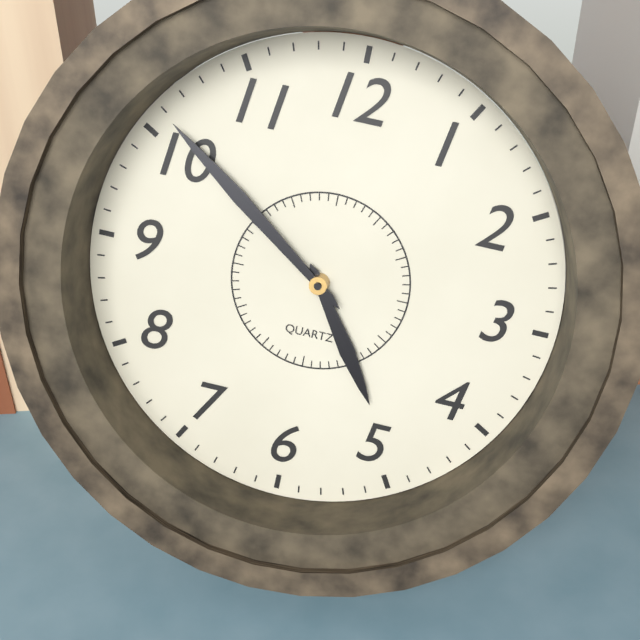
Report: 4:51
